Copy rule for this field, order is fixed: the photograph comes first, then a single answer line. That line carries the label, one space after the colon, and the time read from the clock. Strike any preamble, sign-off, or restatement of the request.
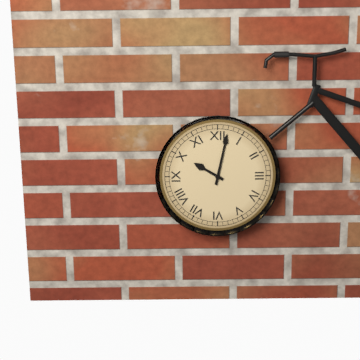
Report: 10:02
